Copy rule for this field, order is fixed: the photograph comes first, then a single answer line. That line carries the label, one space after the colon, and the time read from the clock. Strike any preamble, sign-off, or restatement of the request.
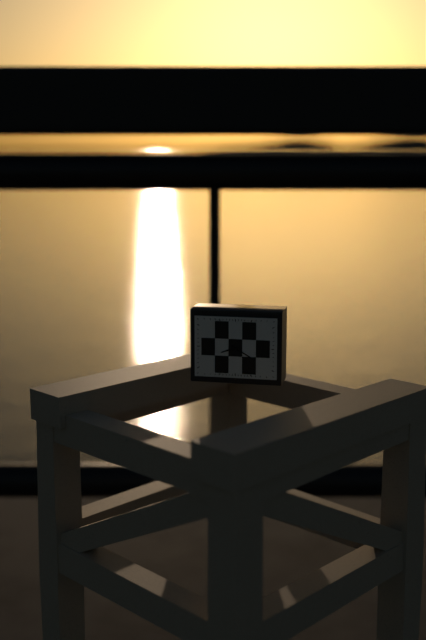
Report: 8:20
